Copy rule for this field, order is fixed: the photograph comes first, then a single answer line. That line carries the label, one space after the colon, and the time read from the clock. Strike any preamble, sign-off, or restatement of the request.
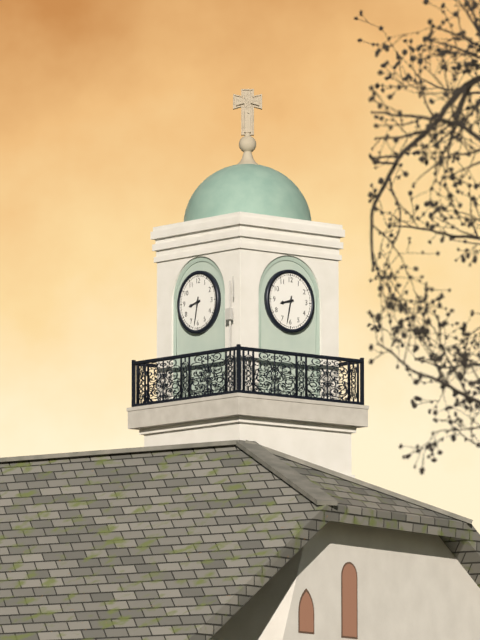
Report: 8:32
